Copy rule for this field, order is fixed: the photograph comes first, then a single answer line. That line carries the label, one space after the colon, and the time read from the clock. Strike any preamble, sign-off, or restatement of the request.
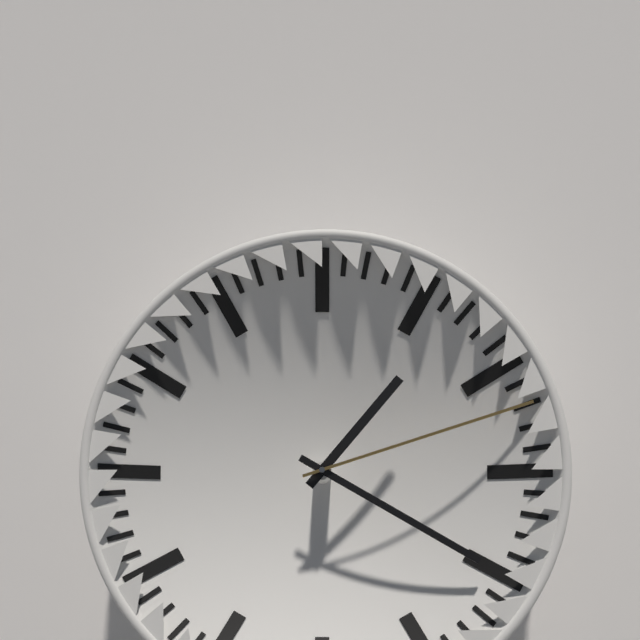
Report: 1:20:12
